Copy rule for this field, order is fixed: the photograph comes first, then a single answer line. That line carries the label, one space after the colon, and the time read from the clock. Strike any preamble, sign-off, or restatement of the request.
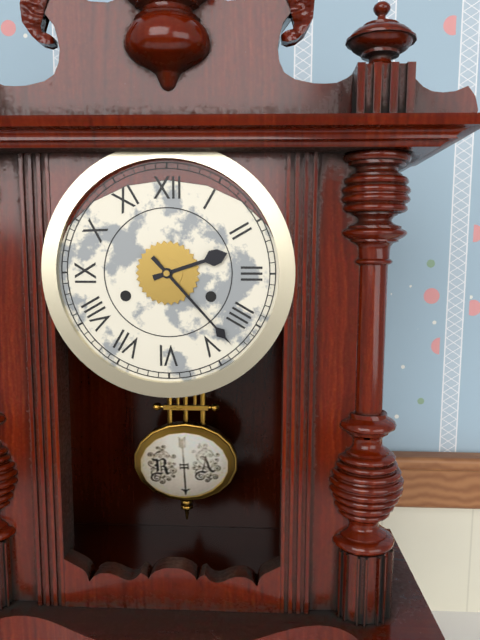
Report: 2:23
